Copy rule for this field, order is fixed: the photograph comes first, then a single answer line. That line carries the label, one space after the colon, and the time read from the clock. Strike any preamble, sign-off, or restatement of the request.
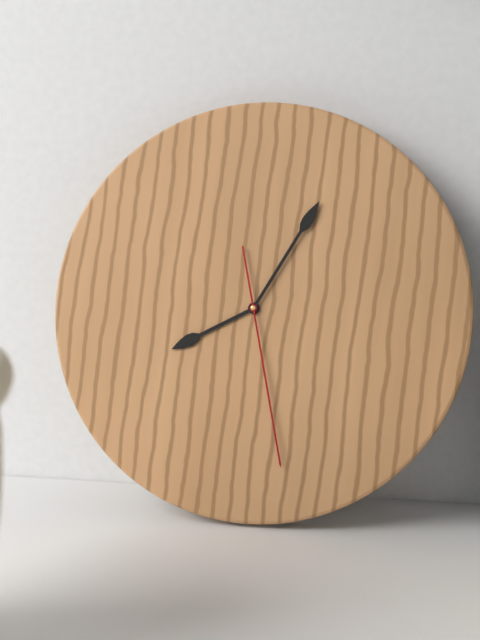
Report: 8:05:28
